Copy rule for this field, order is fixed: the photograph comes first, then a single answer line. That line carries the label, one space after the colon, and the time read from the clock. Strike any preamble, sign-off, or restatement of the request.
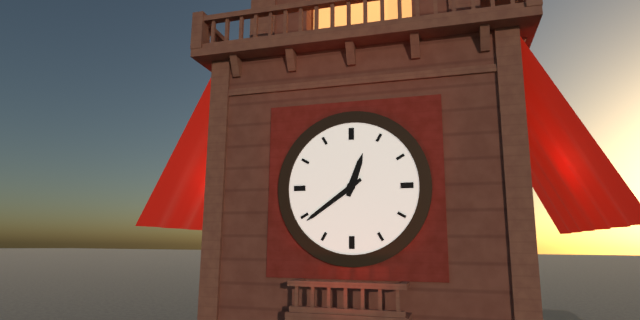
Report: 12:39
